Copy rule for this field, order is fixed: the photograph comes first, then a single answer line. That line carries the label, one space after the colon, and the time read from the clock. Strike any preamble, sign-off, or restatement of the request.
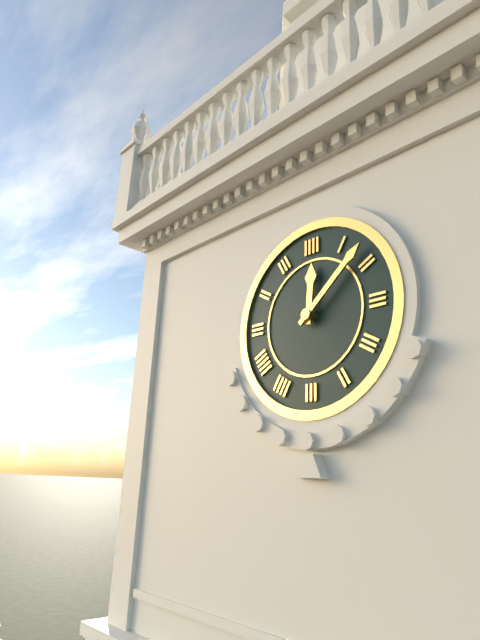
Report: 12:08
